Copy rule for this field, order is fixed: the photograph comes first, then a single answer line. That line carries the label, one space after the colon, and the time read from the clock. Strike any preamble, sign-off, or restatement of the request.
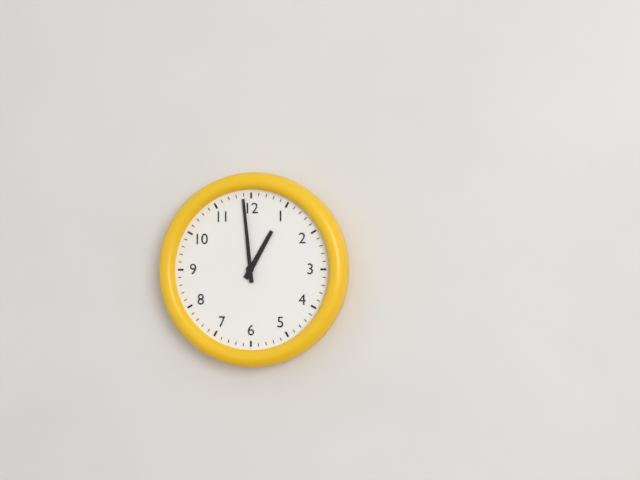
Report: 12:59
